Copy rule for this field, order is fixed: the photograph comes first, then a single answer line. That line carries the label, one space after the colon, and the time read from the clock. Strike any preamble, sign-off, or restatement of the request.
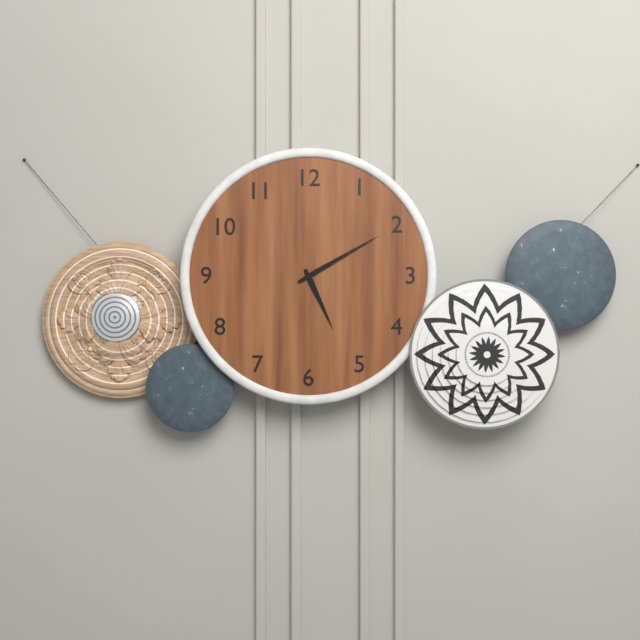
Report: 5:10
